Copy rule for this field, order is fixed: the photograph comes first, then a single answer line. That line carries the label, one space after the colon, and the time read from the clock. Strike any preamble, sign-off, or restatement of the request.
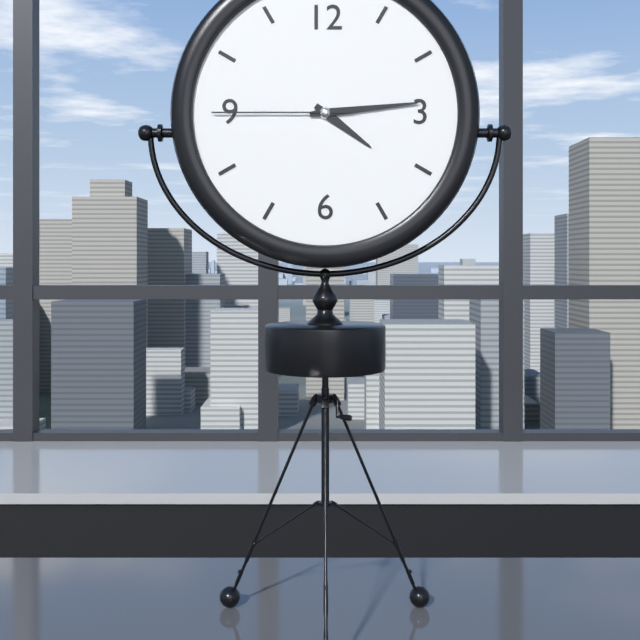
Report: 4:14:45
